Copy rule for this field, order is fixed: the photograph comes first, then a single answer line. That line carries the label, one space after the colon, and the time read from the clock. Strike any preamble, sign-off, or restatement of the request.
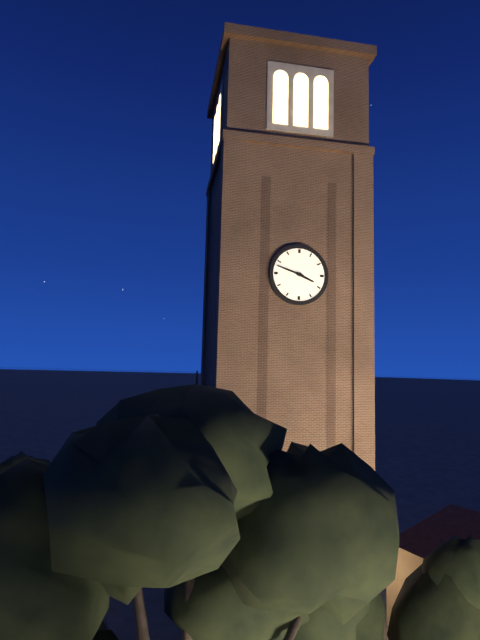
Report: 3:48
